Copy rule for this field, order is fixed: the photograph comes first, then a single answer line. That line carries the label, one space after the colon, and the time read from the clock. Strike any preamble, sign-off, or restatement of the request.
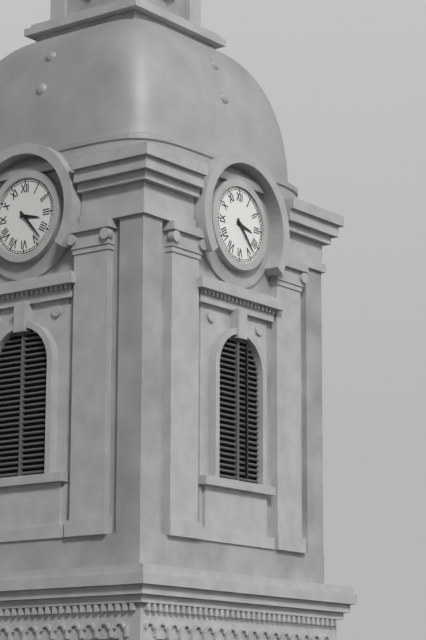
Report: 3:23
